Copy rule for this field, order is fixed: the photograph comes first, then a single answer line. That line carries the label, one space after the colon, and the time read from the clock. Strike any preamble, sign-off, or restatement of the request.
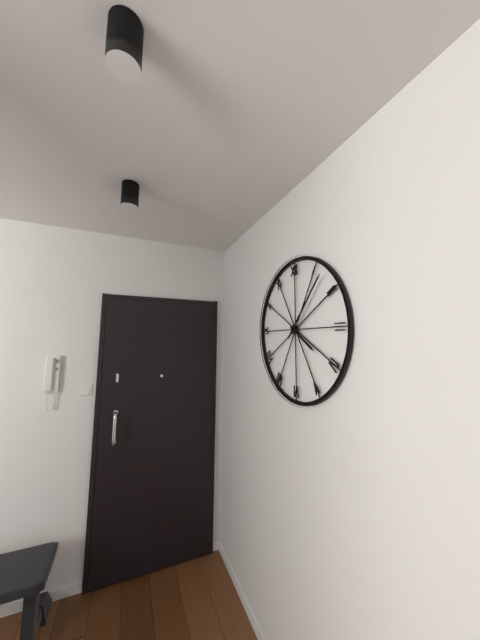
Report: 4:07
